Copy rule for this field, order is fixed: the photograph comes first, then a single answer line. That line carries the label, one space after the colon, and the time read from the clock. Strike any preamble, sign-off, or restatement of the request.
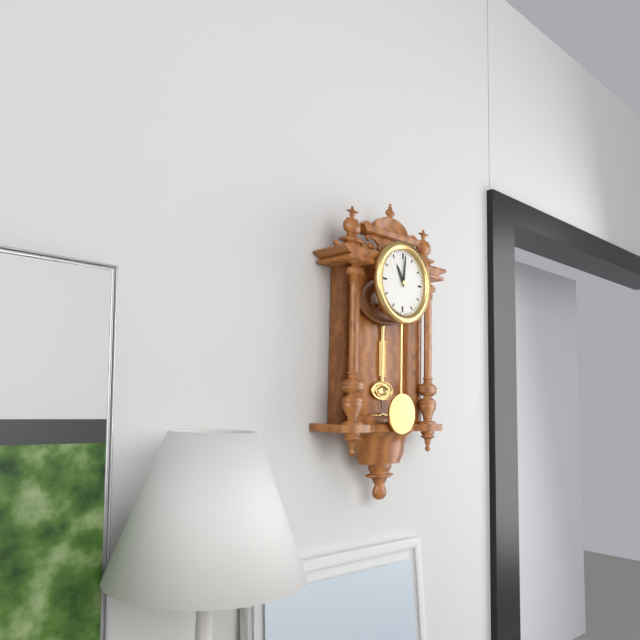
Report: 11:01
